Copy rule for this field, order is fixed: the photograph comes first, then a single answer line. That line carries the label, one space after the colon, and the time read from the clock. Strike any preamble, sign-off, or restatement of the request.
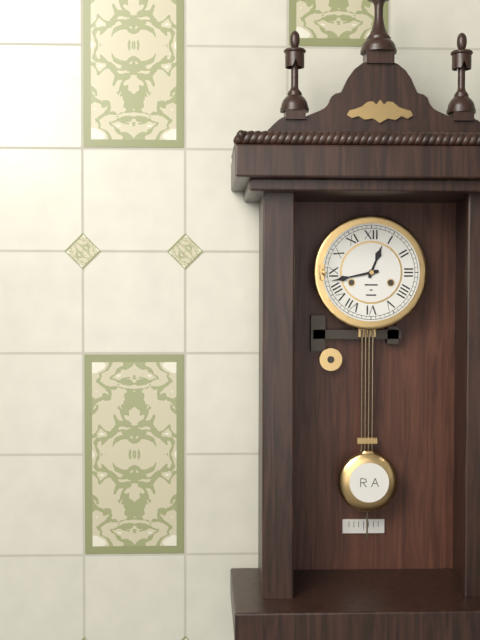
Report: 12:43
